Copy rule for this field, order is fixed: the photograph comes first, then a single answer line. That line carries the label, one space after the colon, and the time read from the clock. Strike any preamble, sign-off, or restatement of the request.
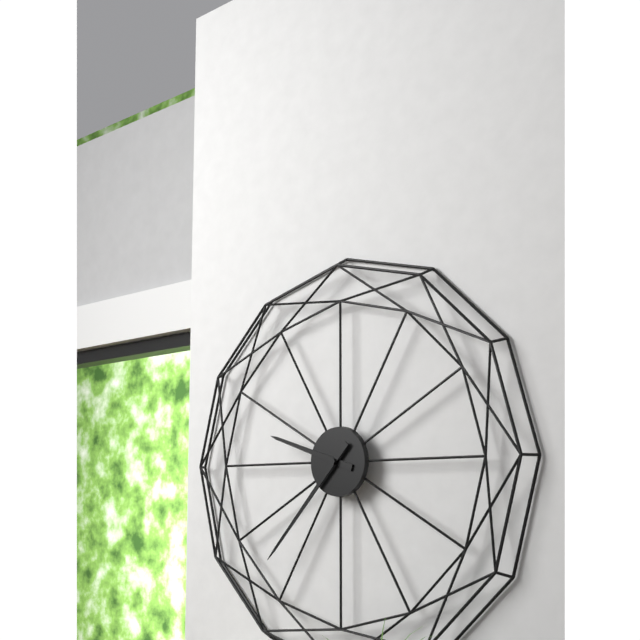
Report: 9:37
